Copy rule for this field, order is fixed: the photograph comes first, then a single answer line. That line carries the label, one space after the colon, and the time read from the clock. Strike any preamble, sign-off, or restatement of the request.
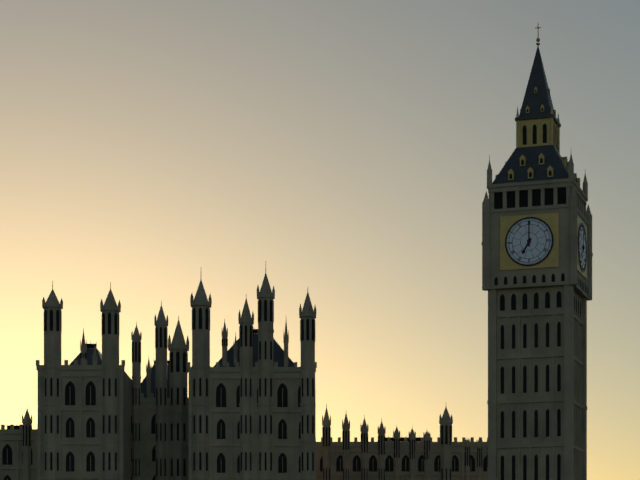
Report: 7:00
